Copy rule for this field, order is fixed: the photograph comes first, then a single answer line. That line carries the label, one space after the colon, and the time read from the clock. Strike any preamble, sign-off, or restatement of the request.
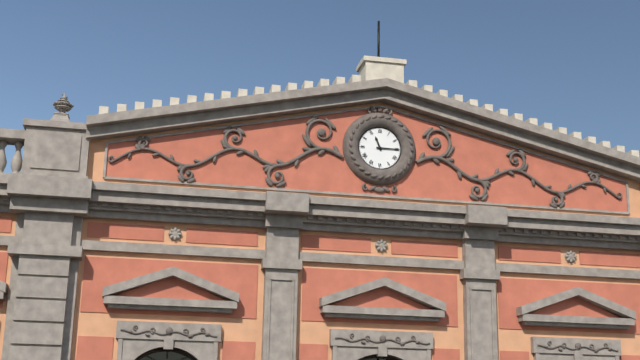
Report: 11:15
